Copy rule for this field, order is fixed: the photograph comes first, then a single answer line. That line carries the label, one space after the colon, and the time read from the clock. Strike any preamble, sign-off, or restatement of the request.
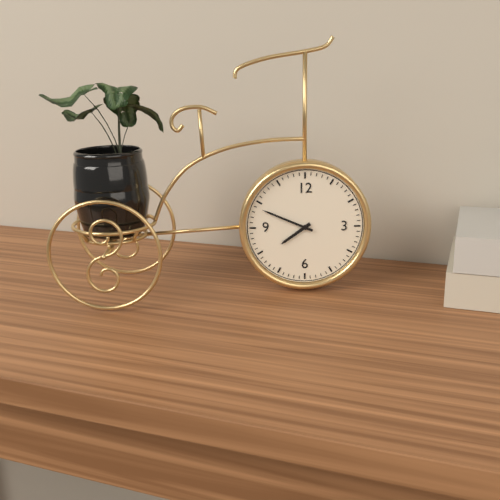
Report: 7:49
